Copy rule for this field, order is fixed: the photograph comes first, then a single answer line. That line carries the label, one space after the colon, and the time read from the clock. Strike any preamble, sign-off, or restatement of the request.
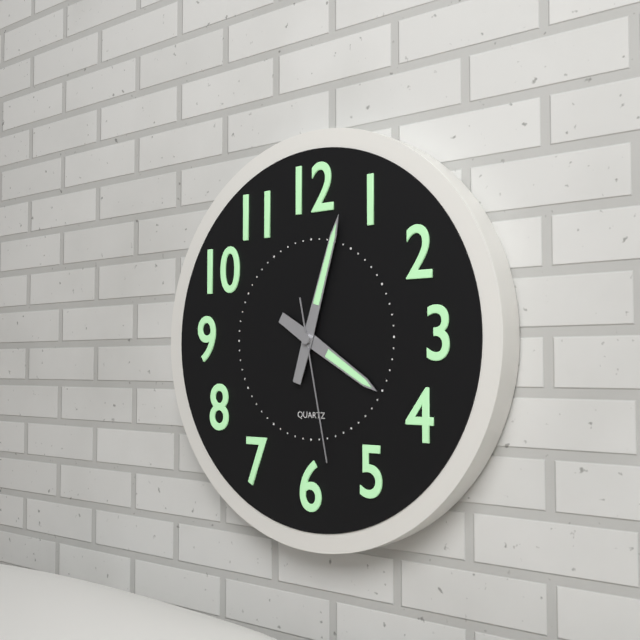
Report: 4:03:28
